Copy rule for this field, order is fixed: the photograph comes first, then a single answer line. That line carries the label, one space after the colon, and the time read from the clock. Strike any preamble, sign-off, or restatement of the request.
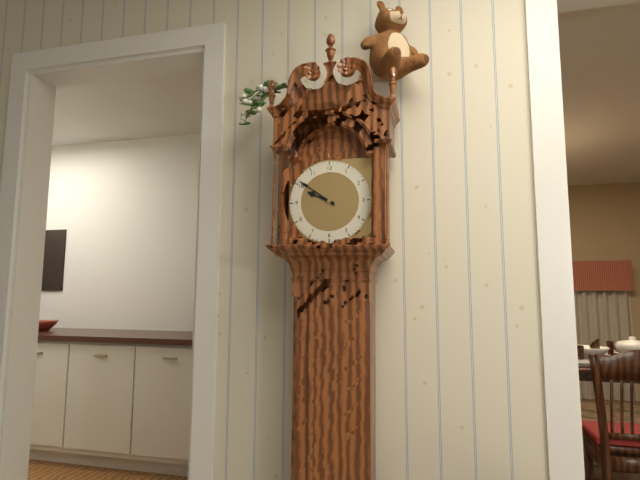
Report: 9:51
